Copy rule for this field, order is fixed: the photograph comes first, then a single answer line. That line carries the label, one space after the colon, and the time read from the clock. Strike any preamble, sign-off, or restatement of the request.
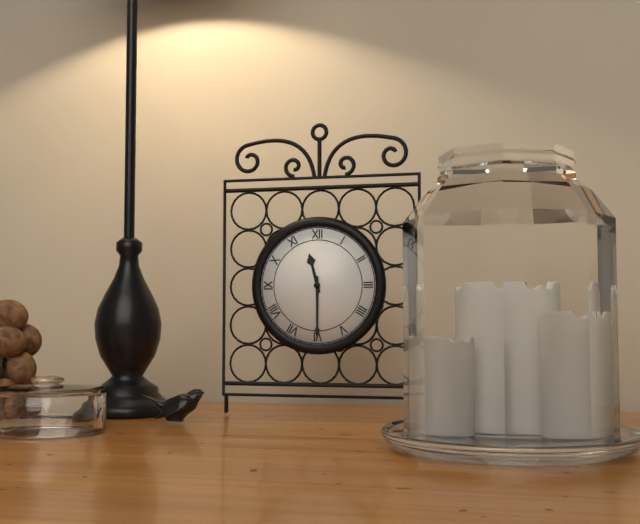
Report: 11:30
